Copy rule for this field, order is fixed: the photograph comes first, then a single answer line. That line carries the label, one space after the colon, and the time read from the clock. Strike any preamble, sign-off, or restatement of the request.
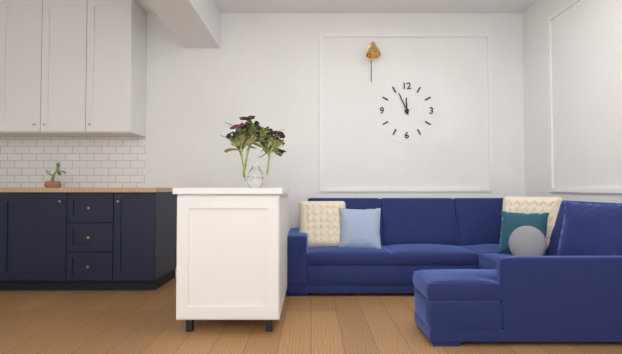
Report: 11:56
